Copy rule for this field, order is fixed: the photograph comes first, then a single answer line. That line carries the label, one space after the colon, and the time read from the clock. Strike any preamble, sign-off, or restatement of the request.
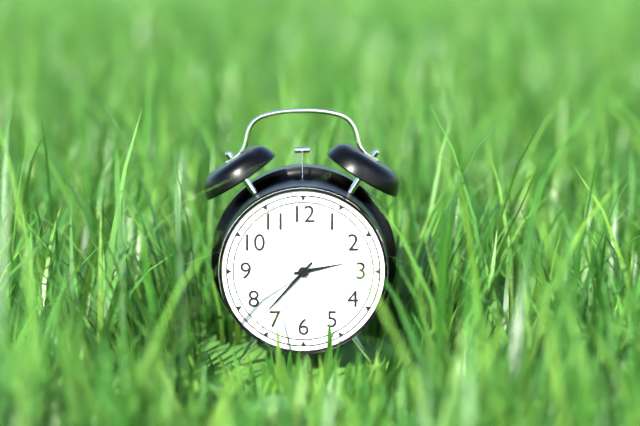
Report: 2:37
